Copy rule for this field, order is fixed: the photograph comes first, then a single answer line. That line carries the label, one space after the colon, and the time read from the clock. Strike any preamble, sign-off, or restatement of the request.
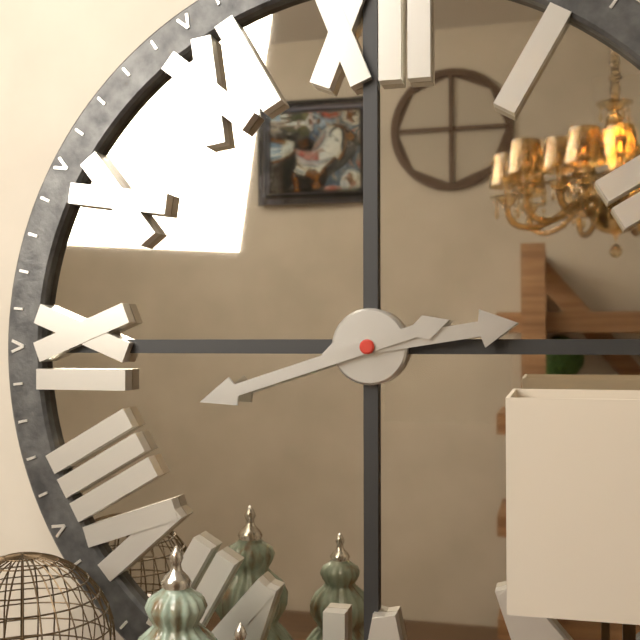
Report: 2:42
